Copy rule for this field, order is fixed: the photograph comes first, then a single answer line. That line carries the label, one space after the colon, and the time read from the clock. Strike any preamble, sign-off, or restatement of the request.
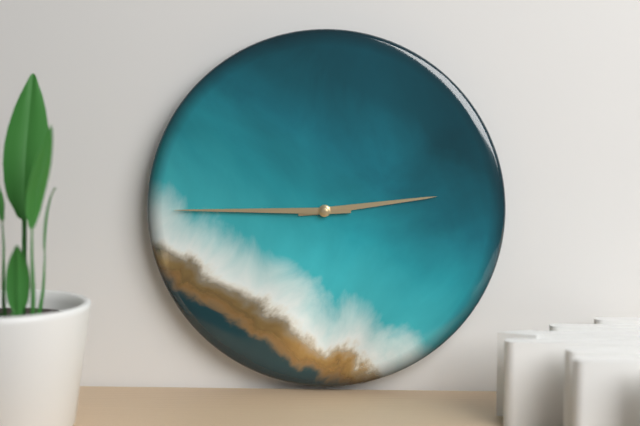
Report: 2:45
